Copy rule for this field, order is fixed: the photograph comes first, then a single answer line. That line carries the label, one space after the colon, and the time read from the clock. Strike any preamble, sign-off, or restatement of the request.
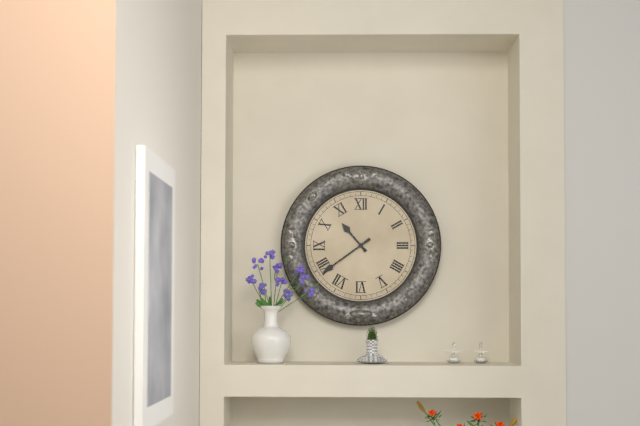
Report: 10:39
